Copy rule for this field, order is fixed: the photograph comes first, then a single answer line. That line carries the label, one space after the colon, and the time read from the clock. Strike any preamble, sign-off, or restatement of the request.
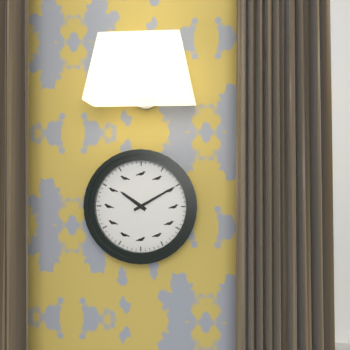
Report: 10:10
